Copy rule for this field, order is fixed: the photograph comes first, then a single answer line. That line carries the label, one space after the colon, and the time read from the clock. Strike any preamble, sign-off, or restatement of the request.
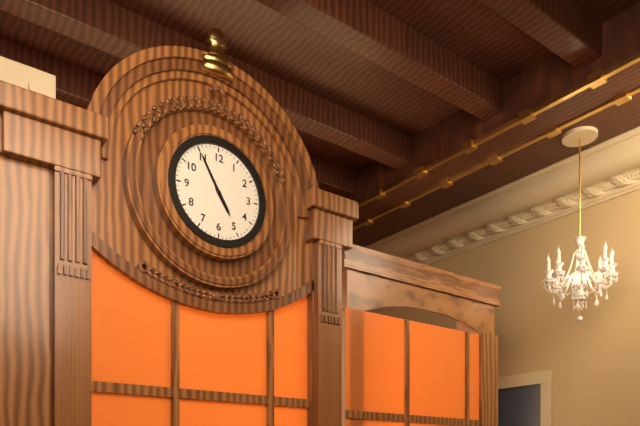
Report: 4:55
